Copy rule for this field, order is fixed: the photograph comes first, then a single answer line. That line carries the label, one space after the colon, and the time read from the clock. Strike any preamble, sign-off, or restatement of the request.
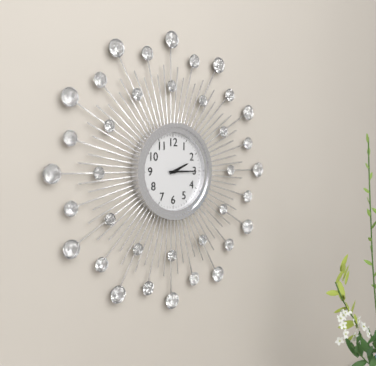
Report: 2:15
